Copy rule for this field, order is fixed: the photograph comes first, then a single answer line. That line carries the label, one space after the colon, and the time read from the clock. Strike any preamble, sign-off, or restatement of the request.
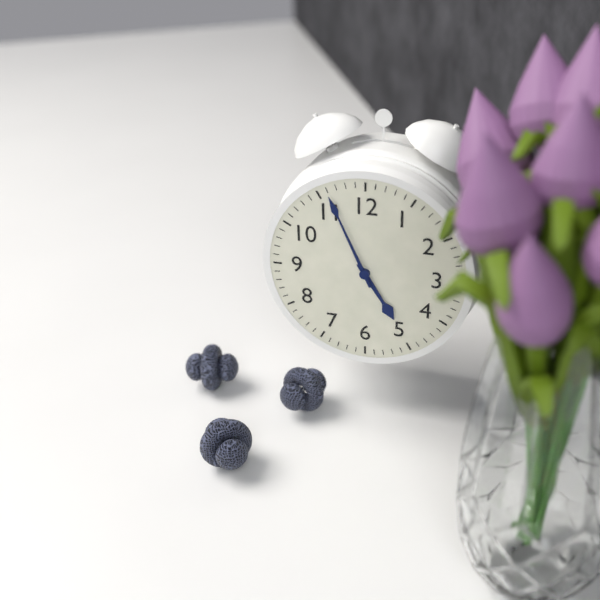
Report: 4:56
